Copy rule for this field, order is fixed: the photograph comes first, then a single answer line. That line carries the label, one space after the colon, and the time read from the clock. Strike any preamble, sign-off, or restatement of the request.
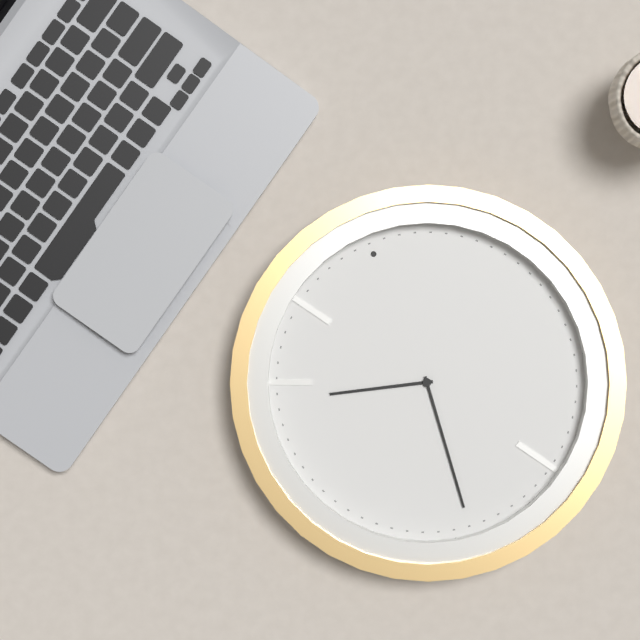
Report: 9:31
